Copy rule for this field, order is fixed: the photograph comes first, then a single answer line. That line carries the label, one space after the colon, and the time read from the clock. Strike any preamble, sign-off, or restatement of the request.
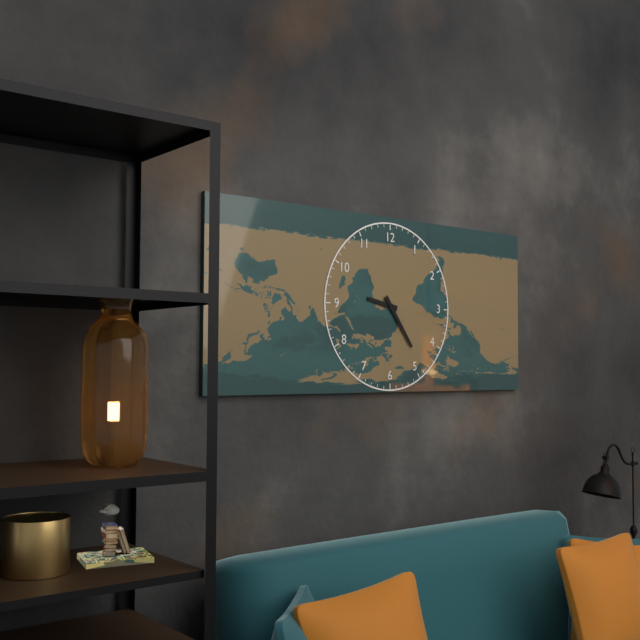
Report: 9:24
